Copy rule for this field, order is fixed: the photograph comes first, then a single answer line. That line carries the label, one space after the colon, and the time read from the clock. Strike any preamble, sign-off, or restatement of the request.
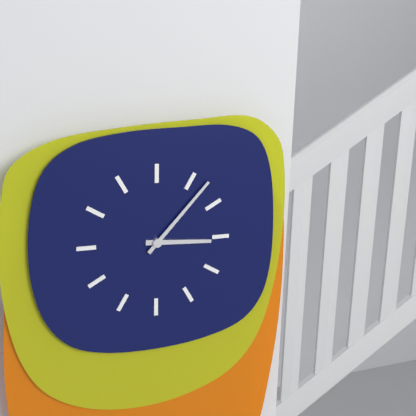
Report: 3:07
